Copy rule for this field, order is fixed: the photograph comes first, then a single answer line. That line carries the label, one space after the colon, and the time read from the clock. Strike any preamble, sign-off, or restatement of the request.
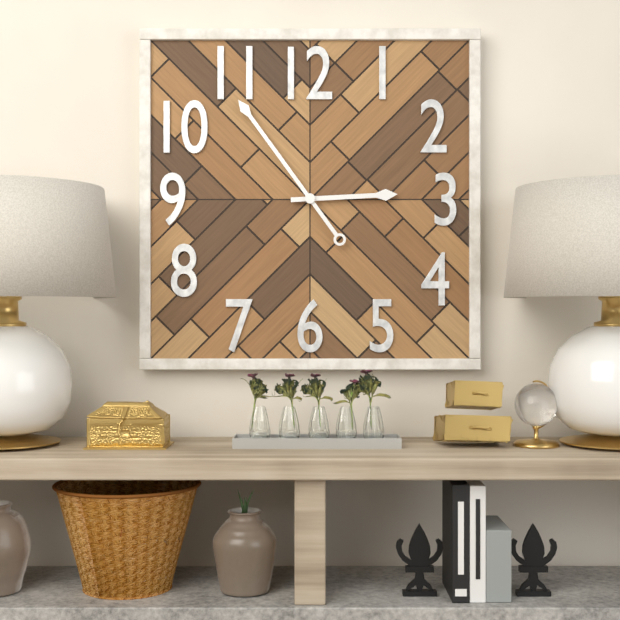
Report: 2:54
